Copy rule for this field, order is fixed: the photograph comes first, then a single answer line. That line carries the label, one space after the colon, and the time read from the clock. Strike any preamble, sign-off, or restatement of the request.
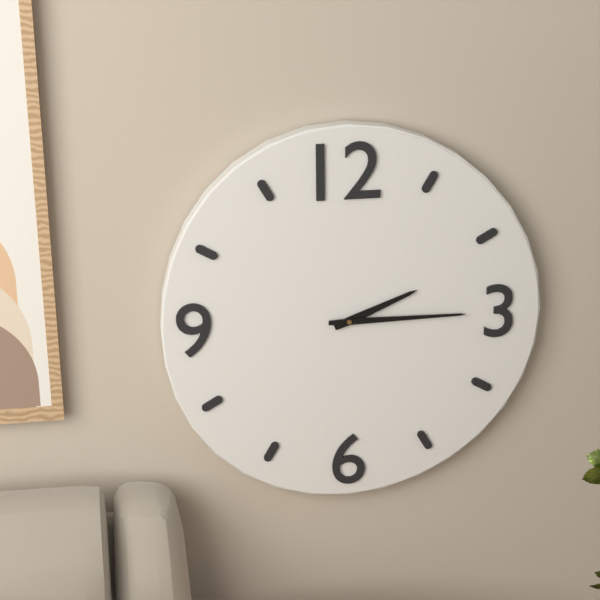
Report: 2:15
